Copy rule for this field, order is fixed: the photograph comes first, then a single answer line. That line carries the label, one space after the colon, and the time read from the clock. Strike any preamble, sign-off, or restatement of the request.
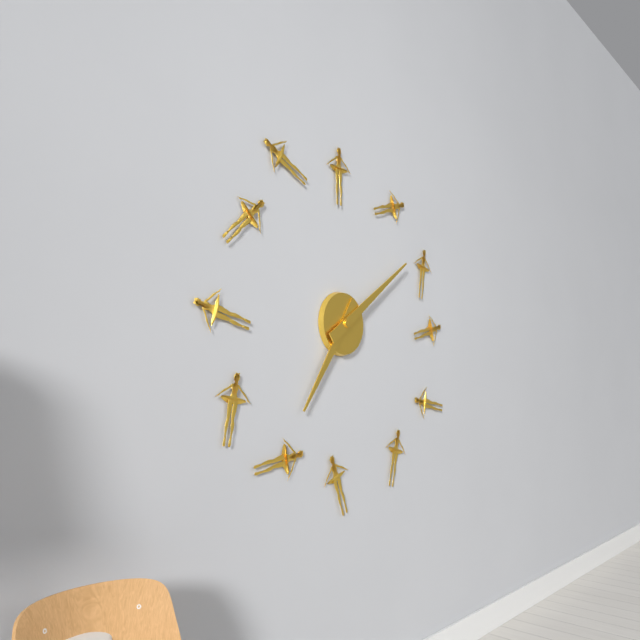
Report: 7:09
